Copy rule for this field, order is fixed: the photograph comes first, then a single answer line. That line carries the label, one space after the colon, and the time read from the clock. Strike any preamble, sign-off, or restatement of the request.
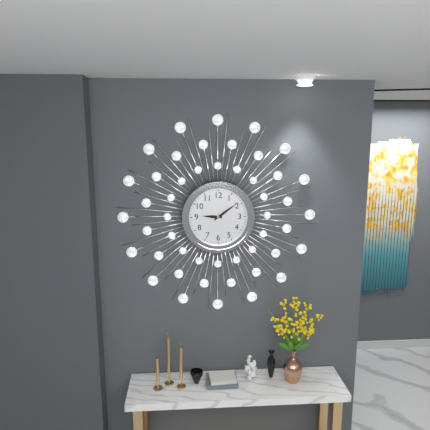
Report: 9:09
